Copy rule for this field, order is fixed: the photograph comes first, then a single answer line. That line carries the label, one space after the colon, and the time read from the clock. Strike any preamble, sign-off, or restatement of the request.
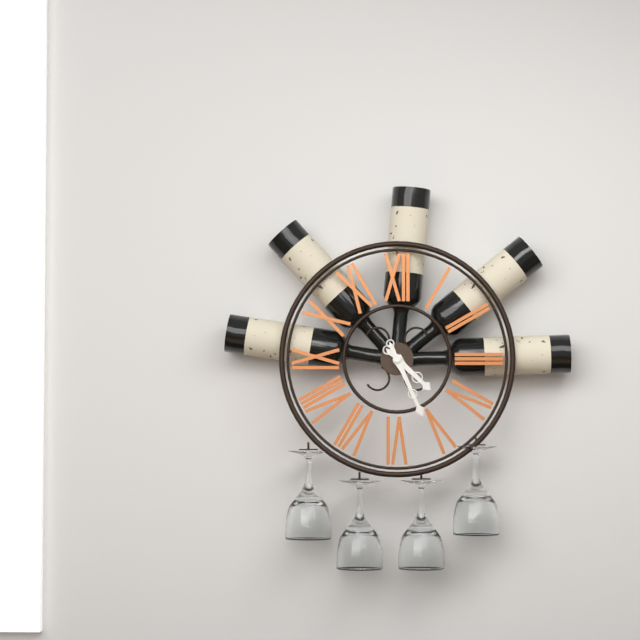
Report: 4:26
